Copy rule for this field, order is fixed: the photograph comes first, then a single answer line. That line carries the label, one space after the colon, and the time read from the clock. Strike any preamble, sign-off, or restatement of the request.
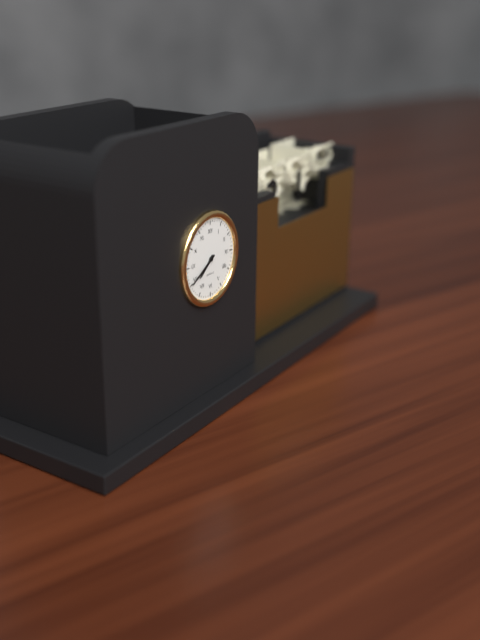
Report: 7:40
